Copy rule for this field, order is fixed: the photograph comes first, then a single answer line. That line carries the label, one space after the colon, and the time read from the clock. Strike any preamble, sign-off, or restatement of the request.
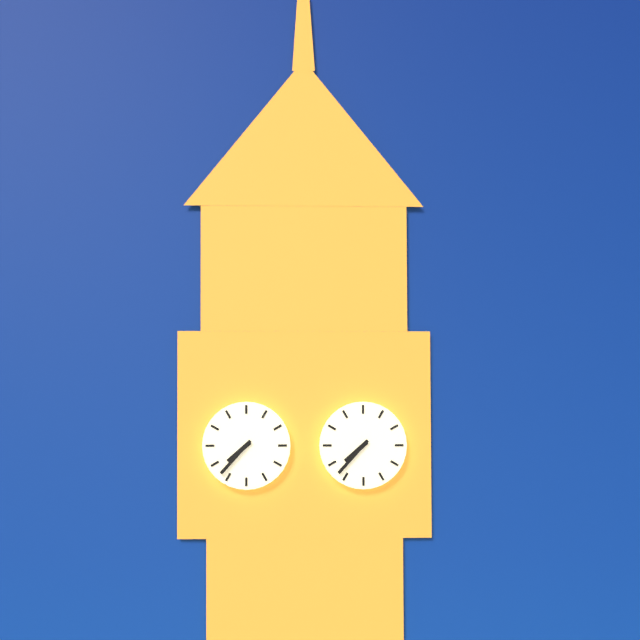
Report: 7:37
